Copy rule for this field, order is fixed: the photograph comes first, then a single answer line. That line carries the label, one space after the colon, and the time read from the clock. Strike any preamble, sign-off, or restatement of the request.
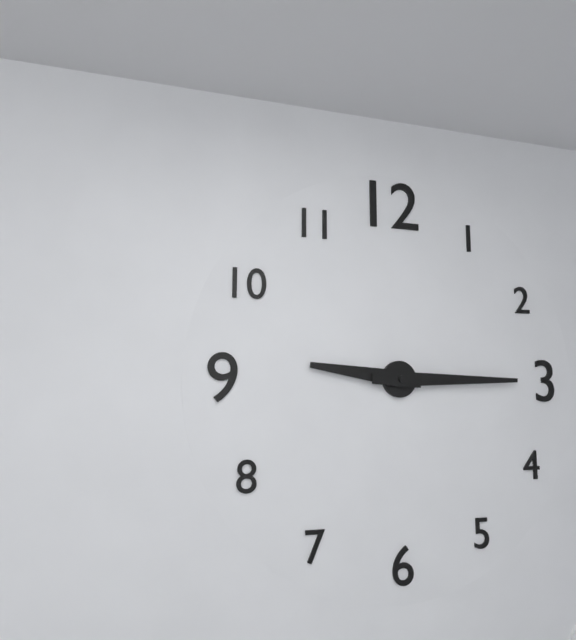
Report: 9:15
